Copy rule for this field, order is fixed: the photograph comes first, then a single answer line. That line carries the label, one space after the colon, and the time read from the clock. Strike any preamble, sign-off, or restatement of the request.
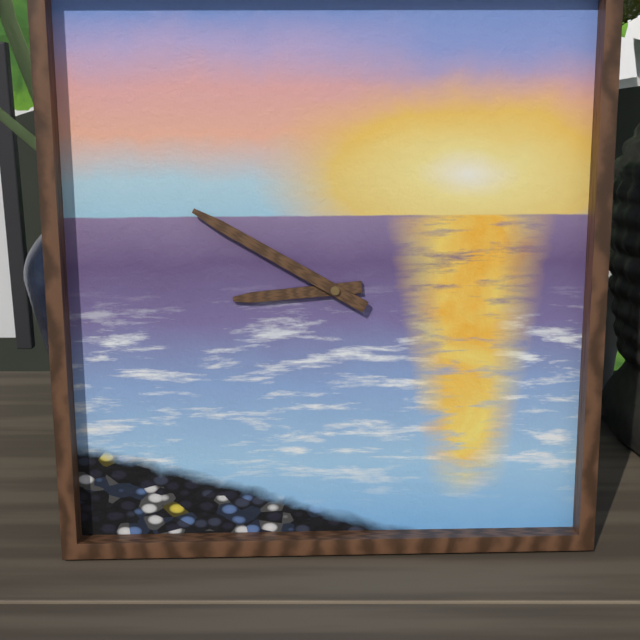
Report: 8:50
